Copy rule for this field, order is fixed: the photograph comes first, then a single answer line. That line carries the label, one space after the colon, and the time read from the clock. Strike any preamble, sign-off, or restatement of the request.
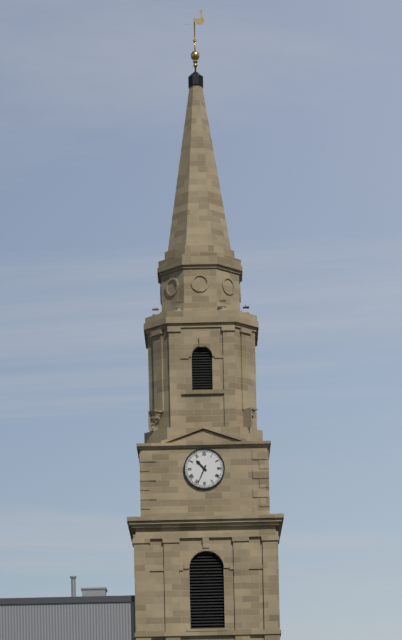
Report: 10:34
